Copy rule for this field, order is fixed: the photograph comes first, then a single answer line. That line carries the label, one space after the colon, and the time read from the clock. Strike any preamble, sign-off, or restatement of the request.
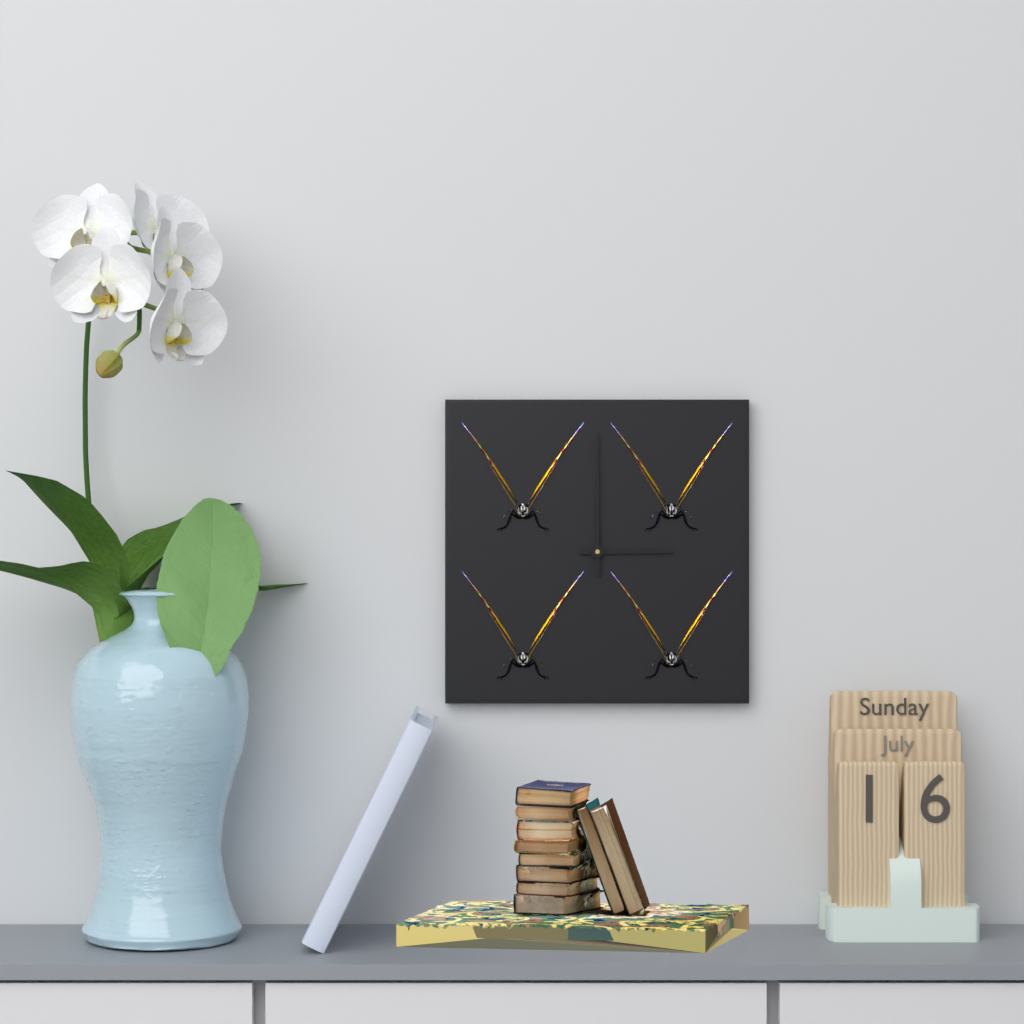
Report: 3:00
